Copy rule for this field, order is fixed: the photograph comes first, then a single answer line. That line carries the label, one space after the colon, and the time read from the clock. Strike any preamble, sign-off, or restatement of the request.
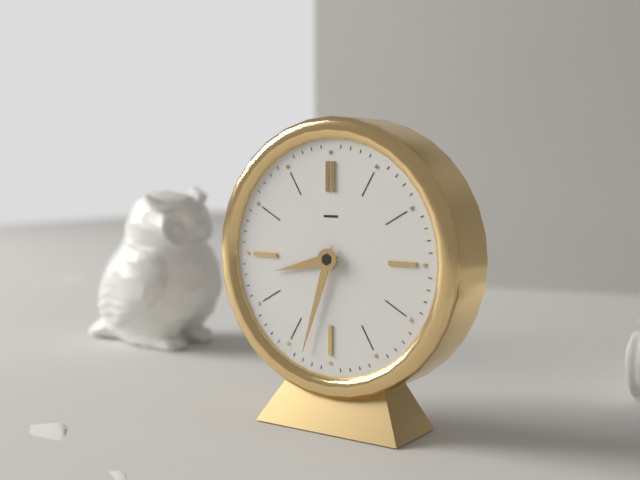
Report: 8:33
